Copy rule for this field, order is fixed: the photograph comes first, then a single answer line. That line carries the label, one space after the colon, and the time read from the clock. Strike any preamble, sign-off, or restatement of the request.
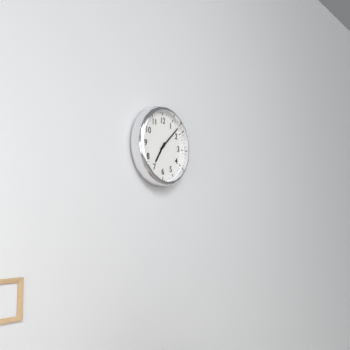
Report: 7:08
